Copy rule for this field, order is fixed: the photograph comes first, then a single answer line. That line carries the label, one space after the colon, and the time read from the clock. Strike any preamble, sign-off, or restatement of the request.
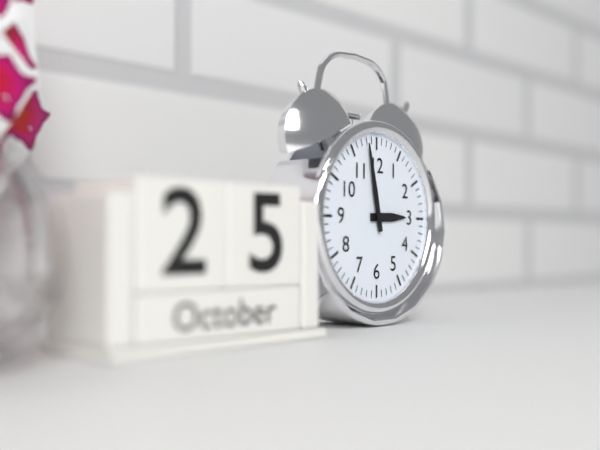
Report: 2:58
